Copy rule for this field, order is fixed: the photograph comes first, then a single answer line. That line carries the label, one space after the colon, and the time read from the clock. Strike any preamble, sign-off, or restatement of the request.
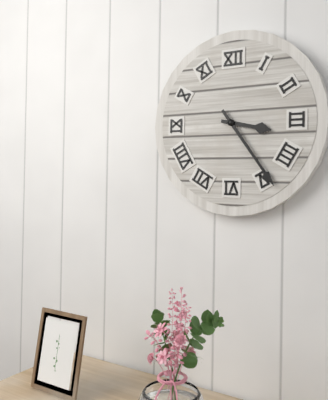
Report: 3:24
